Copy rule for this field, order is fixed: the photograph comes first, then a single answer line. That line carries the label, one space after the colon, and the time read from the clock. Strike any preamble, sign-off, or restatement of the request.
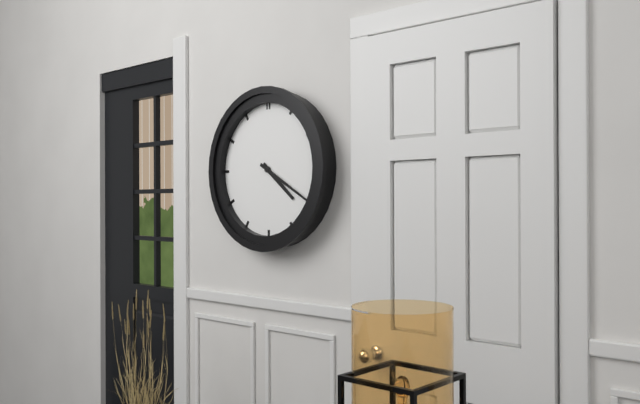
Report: 4:20
